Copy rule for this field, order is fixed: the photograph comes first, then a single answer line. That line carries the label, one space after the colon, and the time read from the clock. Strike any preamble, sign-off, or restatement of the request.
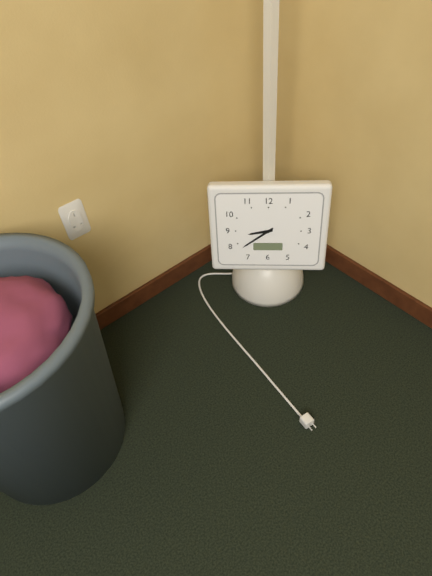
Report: 8:39
